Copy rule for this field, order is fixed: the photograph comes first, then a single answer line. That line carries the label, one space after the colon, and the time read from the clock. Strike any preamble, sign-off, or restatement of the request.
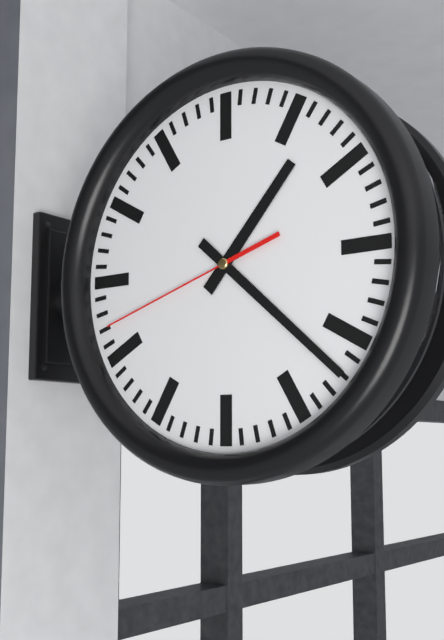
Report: 1:22:42
